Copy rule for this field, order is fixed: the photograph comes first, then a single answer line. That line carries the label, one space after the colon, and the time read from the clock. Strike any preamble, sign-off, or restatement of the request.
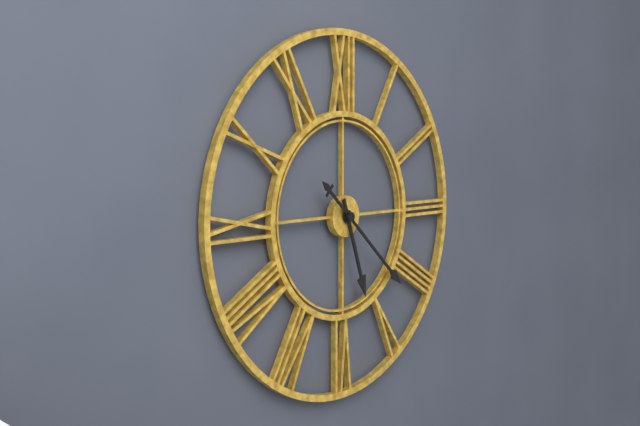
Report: 5:22
